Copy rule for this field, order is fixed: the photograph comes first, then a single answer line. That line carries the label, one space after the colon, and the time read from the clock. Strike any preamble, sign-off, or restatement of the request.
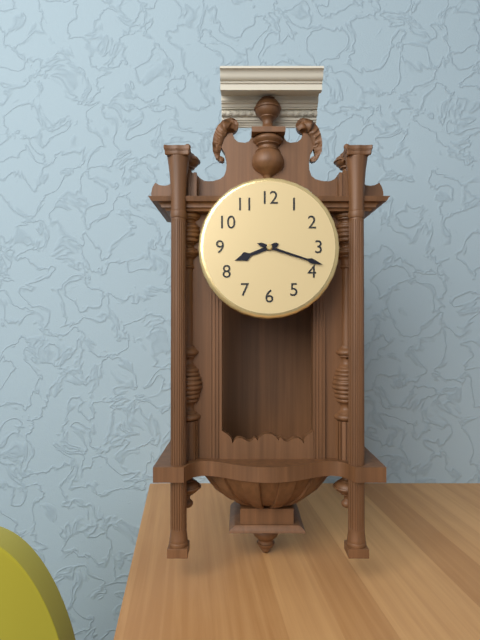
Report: 8:18
